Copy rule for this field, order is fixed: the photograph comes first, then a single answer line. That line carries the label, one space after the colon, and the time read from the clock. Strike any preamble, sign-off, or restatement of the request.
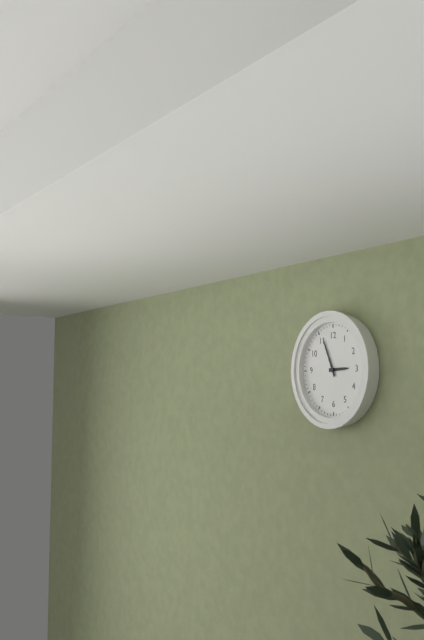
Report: 2:56
